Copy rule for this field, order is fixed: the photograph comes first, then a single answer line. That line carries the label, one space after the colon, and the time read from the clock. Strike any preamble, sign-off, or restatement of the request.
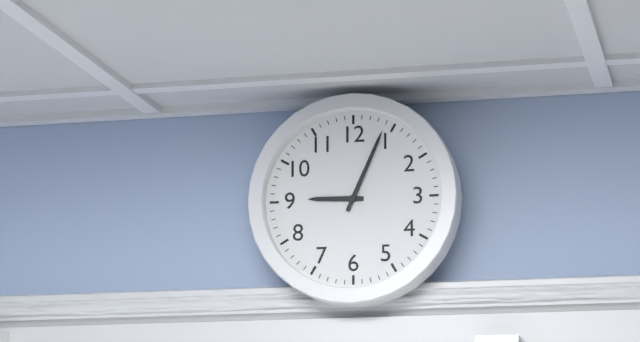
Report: 9:04
